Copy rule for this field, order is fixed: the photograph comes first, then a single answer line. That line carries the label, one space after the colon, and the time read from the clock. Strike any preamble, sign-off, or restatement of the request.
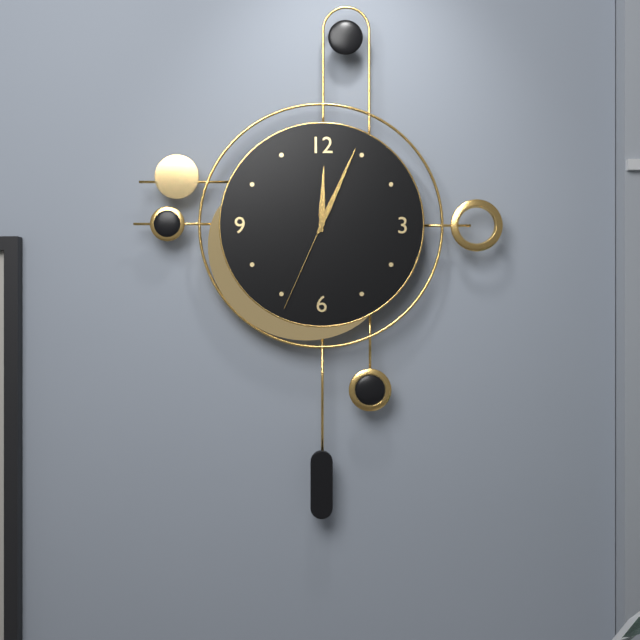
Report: 12:04:34
